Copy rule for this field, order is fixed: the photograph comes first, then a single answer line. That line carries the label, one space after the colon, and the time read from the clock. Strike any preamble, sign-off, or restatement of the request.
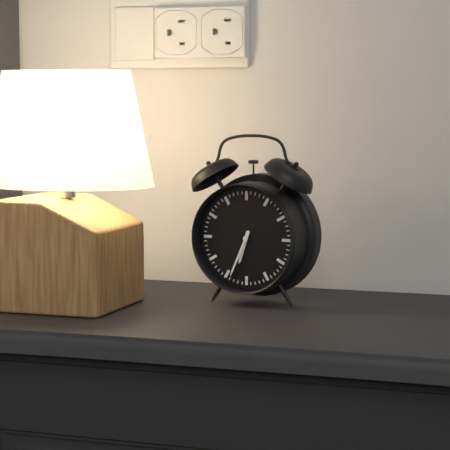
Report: 6:34
